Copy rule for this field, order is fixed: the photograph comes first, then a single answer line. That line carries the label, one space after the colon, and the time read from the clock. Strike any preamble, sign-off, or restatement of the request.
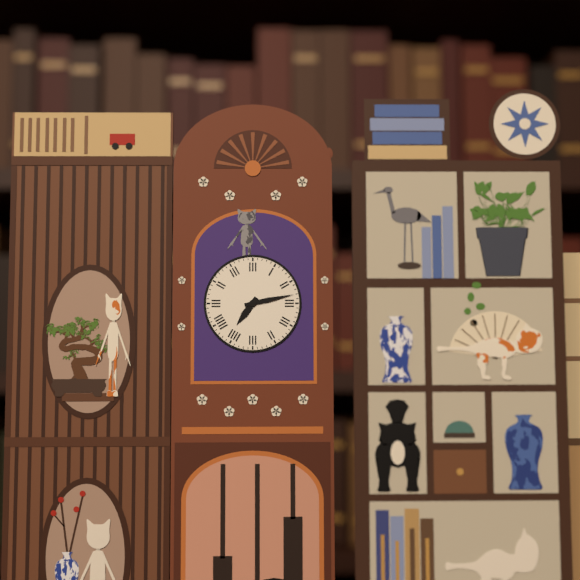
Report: 7:13
